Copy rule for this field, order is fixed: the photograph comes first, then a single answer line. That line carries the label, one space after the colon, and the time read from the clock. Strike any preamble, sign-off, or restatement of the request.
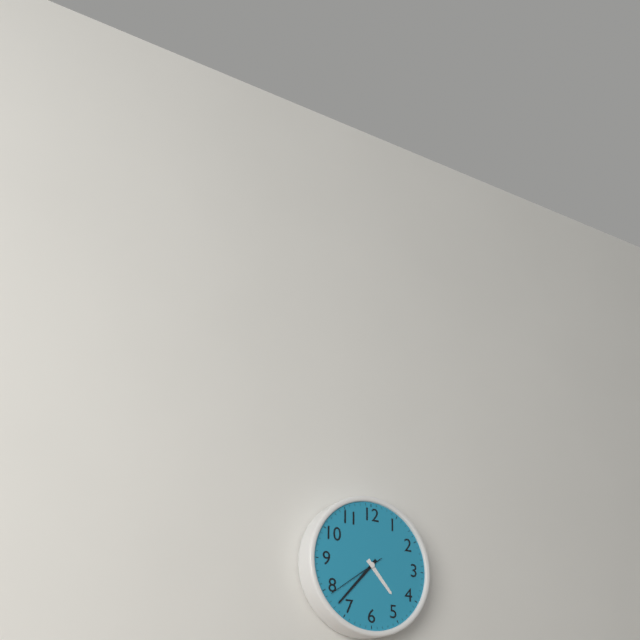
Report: 4:37:39
